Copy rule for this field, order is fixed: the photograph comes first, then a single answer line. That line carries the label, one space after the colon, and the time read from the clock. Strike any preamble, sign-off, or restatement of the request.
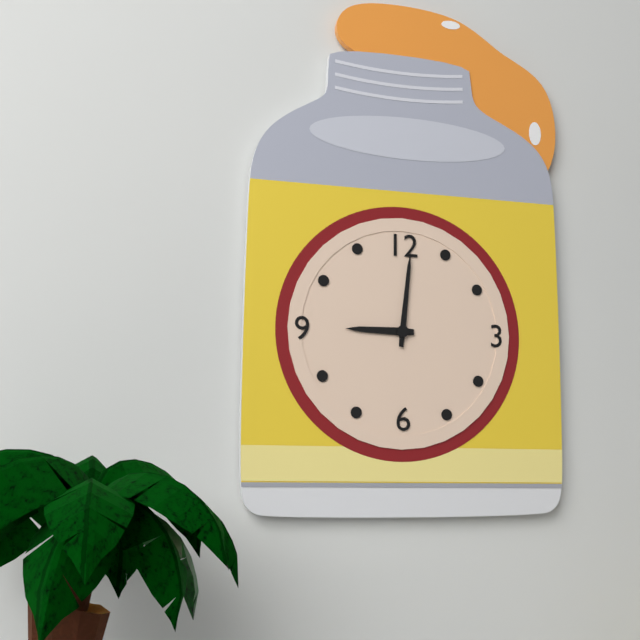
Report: 9:01
